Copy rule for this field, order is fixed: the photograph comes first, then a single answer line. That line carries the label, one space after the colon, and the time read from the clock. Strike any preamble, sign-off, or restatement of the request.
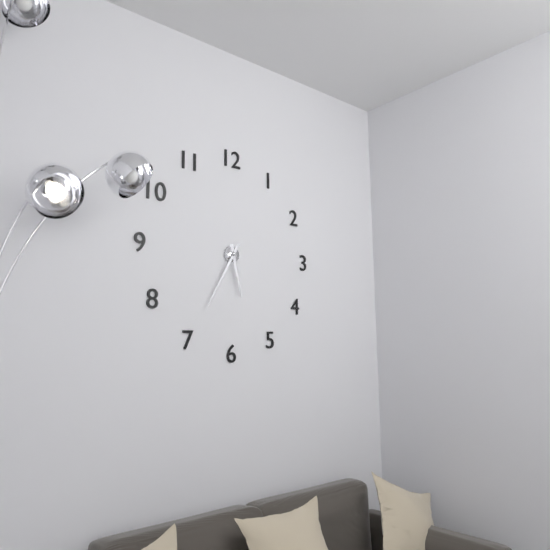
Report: 5:35
